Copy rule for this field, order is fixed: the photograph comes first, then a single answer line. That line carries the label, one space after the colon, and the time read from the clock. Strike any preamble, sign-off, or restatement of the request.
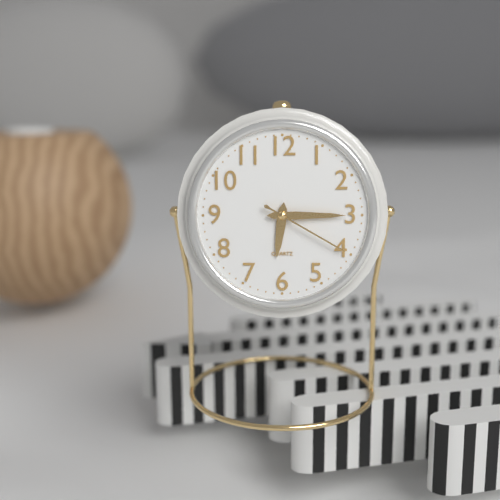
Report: 6:15:20
